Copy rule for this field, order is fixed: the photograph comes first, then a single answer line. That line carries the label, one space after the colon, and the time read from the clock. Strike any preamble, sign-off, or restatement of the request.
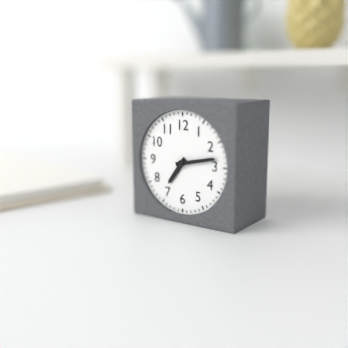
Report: 7:13
